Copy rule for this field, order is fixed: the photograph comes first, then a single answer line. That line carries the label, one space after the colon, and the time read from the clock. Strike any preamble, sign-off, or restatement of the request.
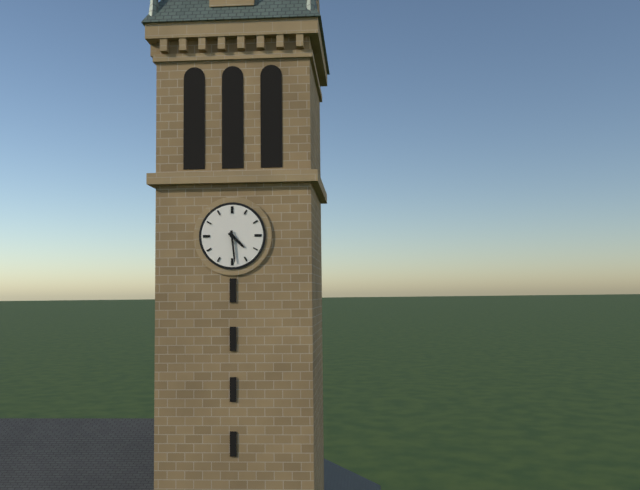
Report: 4:29
